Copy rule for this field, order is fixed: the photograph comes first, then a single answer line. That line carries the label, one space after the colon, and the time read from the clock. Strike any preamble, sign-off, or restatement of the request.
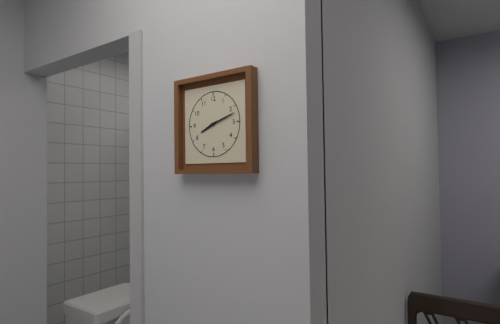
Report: 8:12
